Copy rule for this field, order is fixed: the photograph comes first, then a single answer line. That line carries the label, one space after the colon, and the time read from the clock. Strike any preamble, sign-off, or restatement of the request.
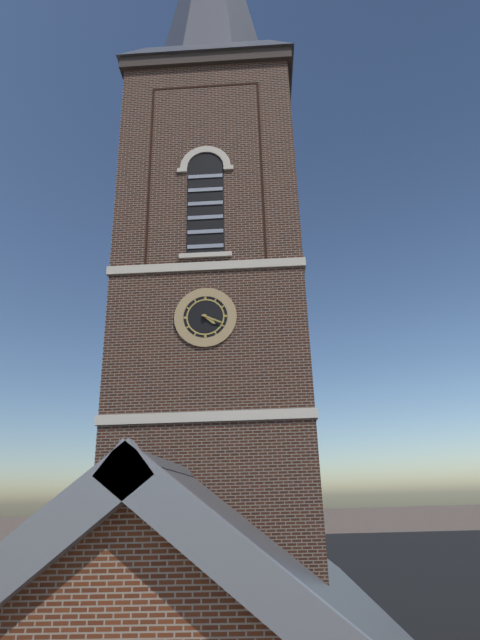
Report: 4:19
